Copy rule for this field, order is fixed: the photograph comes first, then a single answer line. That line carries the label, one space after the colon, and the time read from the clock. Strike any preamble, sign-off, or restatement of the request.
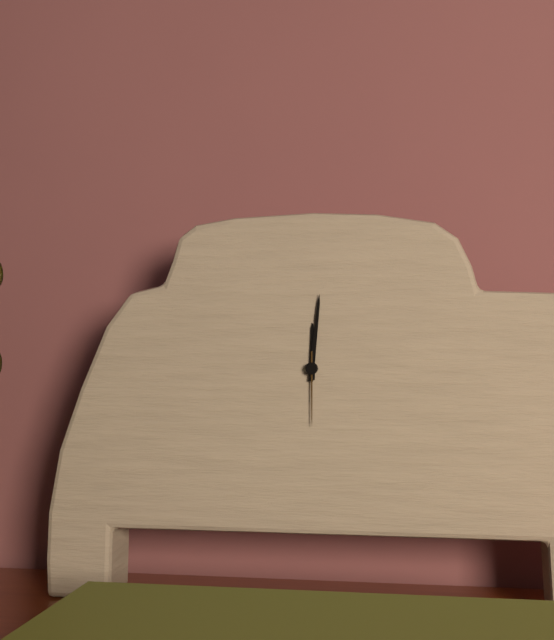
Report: 12:01:30
